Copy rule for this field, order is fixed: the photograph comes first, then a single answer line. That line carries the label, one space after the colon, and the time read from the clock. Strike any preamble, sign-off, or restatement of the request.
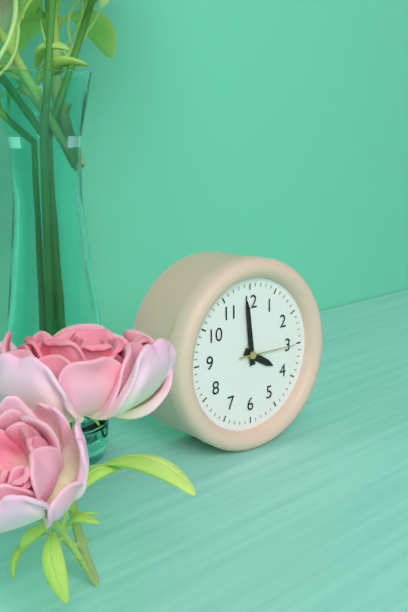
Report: 3:59:15
